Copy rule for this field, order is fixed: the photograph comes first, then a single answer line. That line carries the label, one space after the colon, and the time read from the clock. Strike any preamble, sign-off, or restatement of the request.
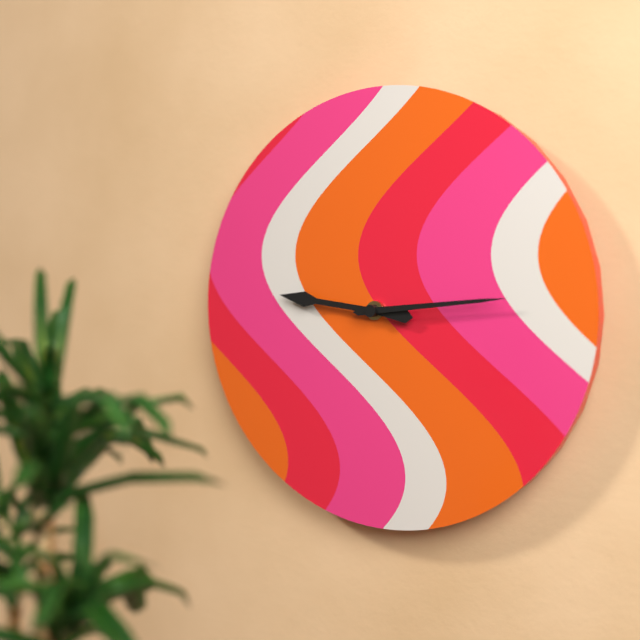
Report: 9:14
